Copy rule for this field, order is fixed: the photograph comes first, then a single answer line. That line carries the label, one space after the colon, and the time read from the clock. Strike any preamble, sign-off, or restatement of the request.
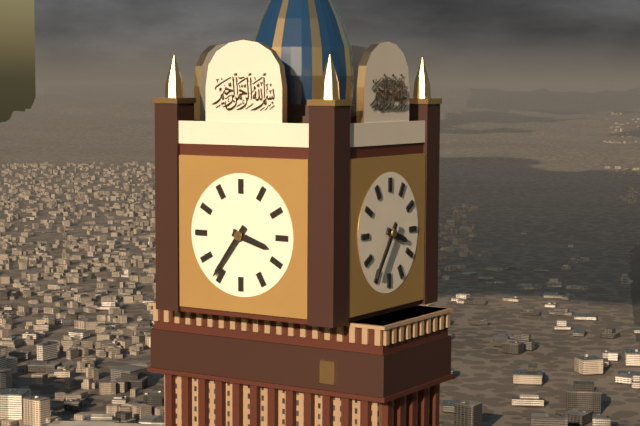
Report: 3:36
